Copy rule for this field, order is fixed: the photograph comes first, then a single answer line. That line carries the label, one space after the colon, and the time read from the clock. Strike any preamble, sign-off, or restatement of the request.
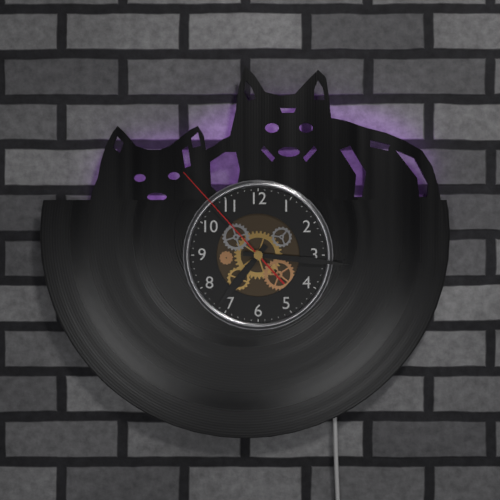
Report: 7:16:53
